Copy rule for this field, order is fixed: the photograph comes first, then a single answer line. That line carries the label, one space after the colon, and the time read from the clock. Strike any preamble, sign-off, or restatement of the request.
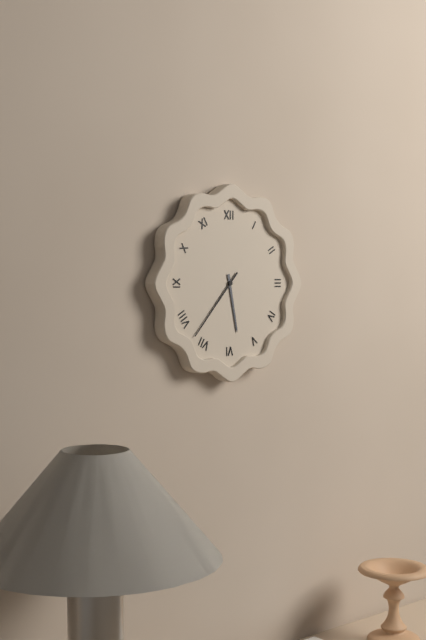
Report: 5:37
